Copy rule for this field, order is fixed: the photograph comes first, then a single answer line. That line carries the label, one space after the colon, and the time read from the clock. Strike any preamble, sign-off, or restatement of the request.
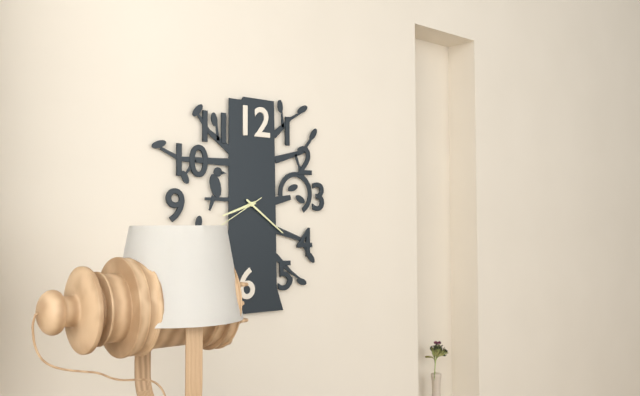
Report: 8:21:40
